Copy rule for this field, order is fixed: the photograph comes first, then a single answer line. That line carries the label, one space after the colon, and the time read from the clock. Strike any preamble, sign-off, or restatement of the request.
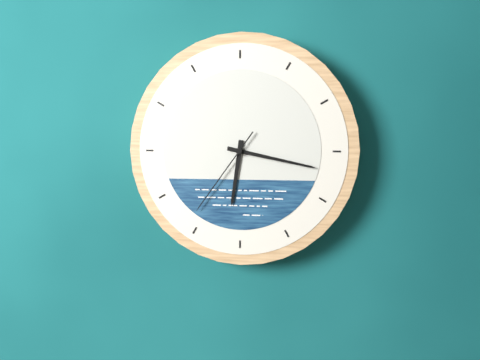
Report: 6:17:36
